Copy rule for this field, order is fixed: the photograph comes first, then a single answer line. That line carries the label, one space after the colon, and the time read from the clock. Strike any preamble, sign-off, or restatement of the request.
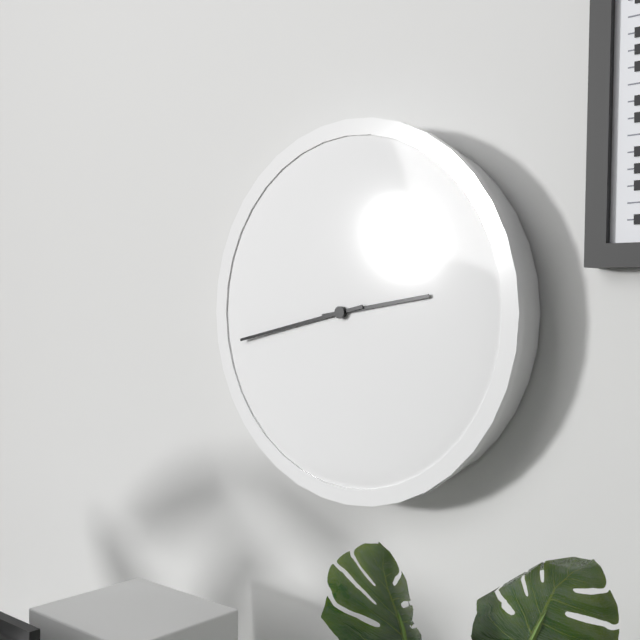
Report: 2:43
